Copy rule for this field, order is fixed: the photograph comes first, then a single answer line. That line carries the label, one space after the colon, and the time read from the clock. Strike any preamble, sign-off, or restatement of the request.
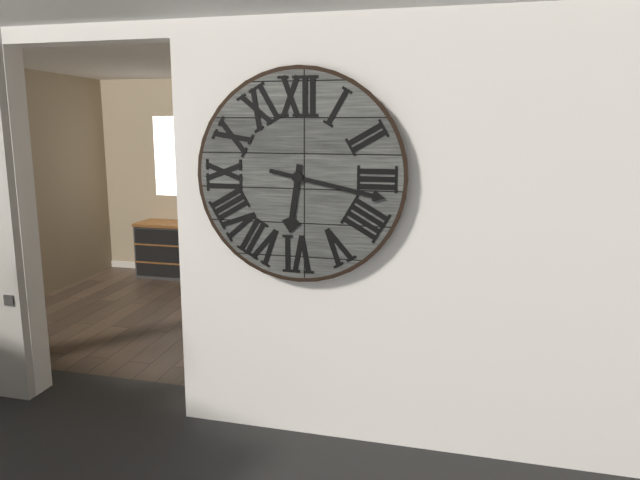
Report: 6:17
